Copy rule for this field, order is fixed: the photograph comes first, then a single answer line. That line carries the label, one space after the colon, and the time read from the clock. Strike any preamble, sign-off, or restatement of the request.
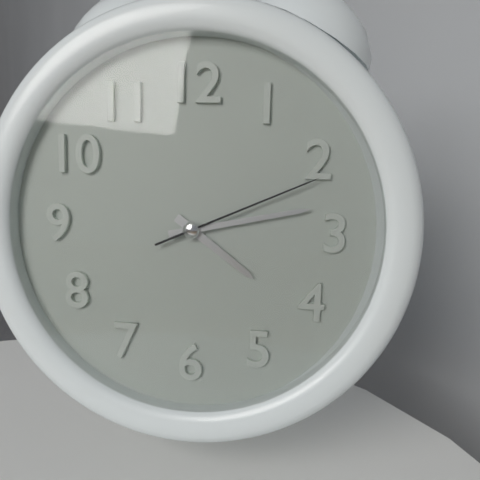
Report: 4:13:11
